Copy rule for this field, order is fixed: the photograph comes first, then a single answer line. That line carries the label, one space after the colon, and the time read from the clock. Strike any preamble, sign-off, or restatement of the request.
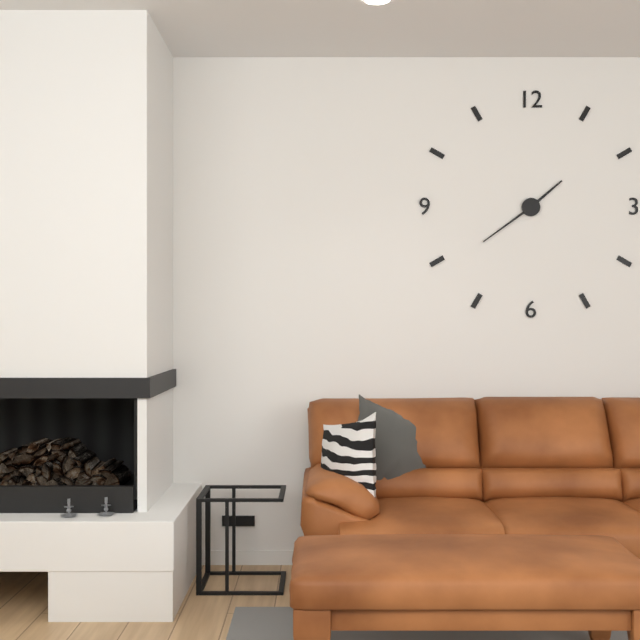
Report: 1:39
